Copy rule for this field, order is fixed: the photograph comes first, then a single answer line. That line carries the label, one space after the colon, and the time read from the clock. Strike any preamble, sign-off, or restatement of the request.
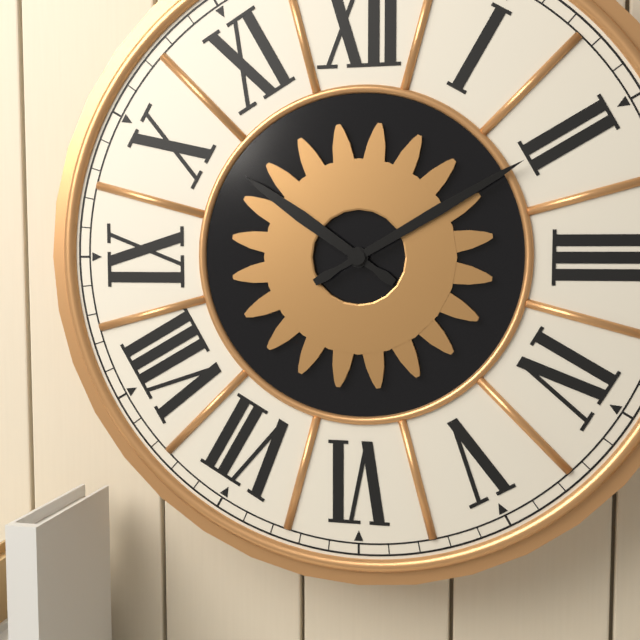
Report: 10:10
